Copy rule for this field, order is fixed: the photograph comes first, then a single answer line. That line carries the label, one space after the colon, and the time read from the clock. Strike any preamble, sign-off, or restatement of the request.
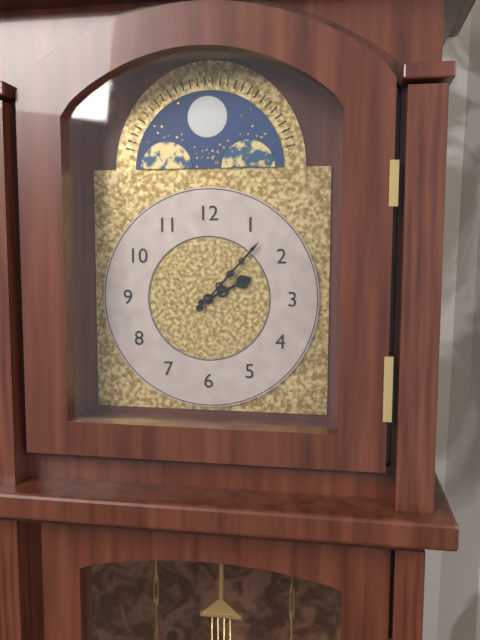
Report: 2:07
